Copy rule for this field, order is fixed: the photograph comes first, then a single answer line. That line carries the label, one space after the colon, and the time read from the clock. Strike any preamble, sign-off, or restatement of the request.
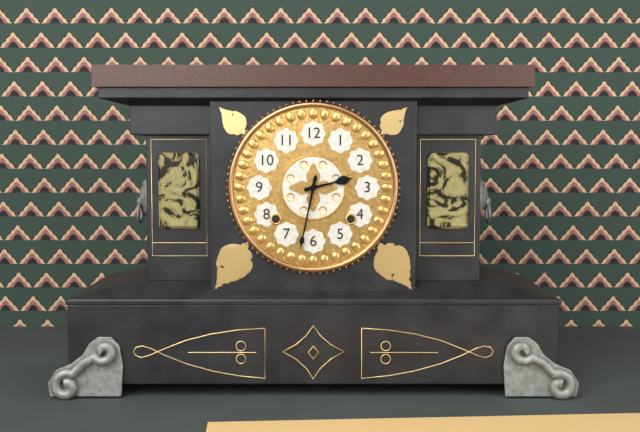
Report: 2:32
